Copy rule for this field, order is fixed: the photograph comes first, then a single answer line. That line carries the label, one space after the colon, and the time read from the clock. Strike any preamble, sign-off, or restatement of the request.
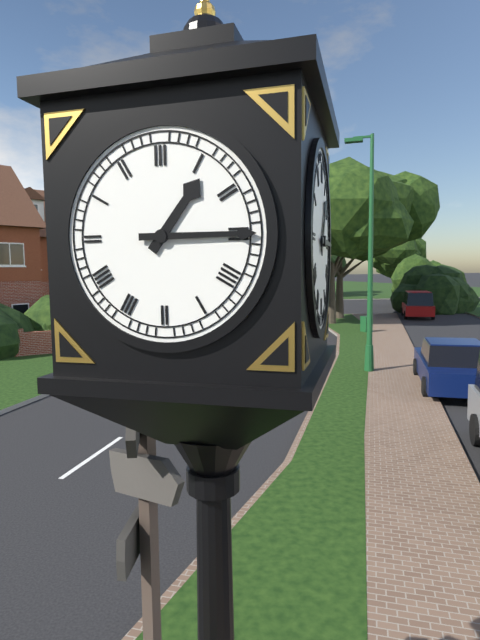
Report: 1:15
